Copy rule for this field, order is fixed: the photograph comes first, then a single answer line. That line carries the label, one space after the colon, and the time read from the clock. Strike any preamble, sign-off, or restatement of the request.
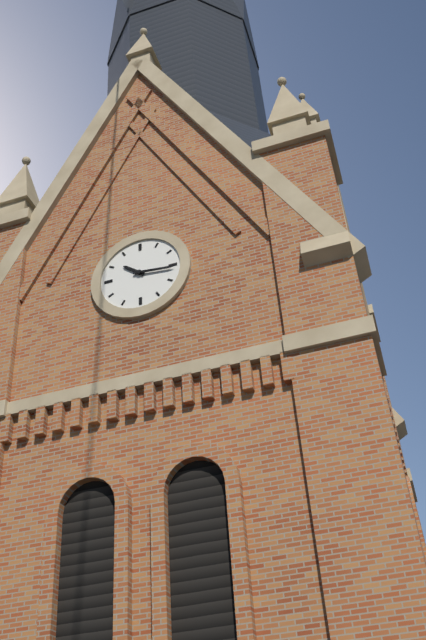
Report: 10:16
